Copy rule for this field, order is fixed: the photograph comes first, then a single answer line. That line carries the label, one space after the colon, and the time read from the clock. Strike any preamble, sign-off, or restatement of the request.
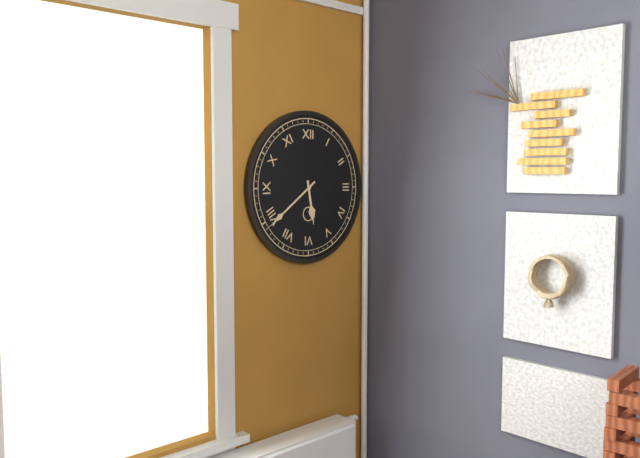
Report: 5:39
